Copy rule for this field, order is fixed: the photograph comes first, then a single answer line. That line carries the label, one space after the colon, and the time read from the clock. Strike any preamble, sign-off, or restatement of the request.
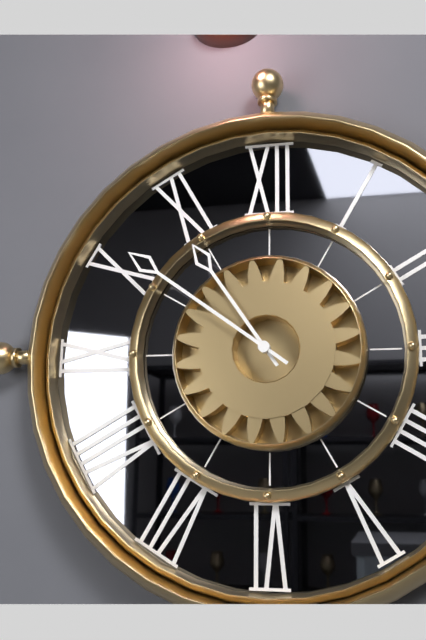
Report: 10:51
